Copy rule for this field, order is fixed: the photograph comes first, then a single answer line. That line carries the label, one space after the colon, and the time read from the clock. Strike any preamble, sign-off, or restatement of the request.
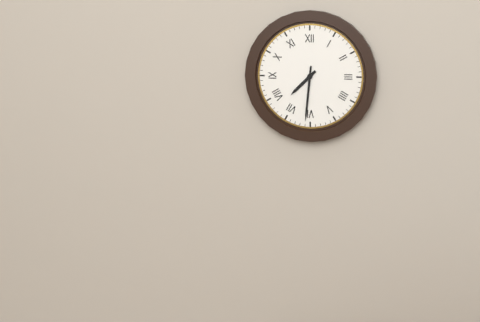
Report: 7:31
